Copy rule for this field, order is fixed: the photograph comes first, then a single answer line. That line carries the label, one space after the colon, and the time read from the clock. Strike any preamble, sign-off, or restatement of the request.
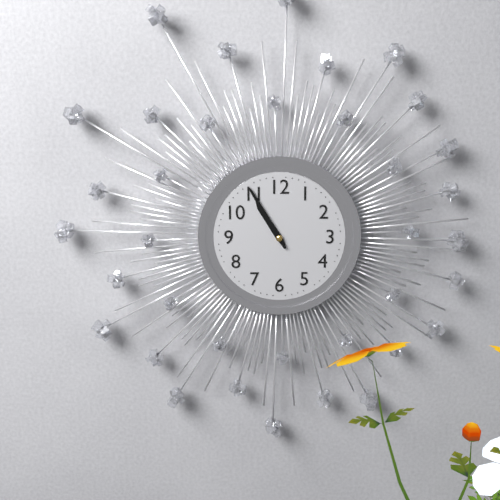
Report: 10:55
